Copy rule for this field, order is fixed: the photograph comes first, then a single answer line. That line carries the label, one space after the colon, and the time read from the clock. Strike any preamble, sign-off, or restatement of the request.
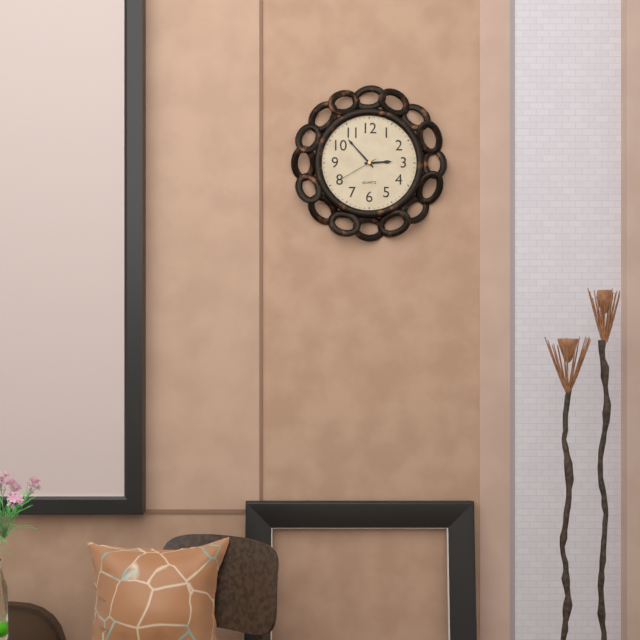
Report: 2:53
